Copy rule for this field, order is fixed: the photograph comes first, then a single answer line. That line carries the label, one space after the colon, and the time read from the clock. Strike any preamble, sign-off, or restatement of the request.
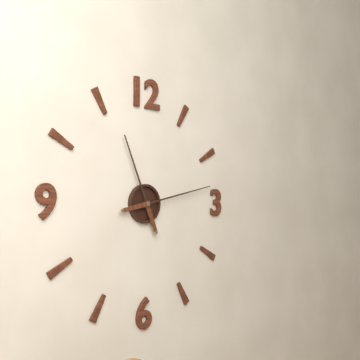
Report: 11:13
